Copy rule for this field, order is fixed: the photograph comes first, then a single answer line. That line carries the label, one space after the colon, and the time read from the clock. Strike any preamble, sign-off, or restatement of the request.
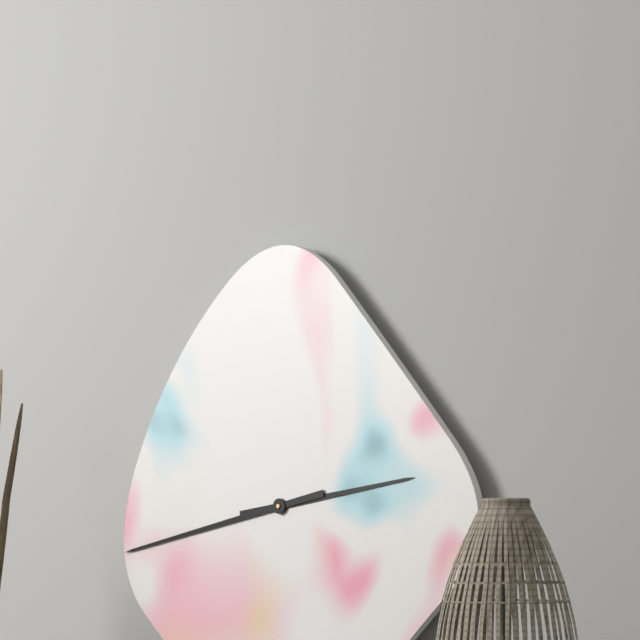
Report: 2:43
